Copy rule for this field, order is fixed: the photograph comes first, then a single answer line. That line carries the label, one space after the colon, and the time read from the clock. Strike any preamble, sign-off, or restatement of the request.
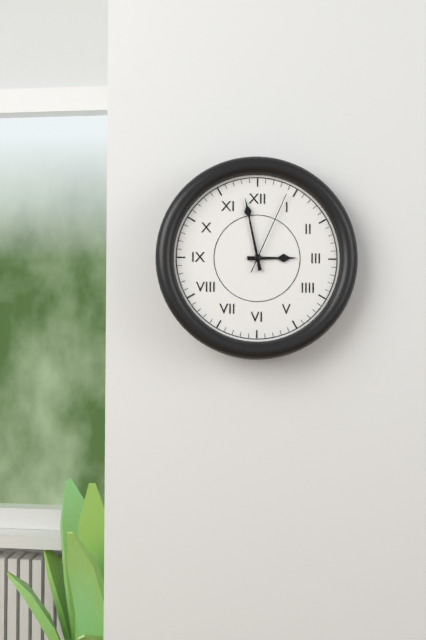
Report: 2:58:04
